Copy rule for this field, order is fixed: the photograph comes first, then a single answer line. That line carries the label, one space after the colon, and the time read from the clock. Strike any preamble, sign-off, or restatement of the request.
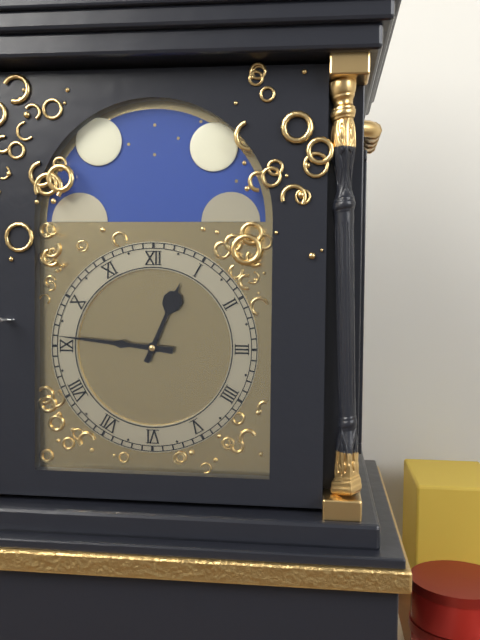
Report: 12:46
